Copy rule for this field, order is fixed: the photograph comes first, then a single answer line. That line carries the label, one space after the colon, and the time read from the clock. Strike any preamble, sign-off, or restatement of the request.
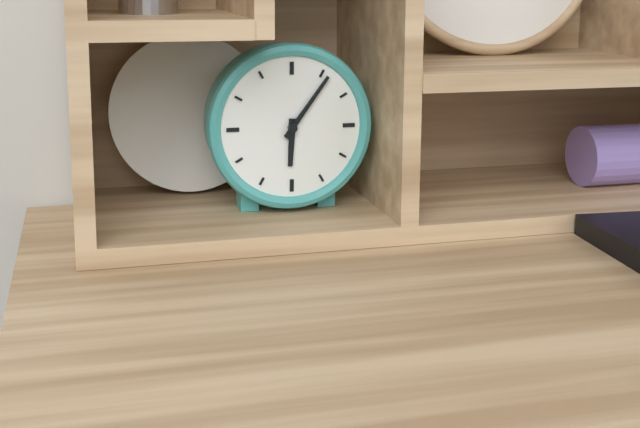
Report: 6:06
